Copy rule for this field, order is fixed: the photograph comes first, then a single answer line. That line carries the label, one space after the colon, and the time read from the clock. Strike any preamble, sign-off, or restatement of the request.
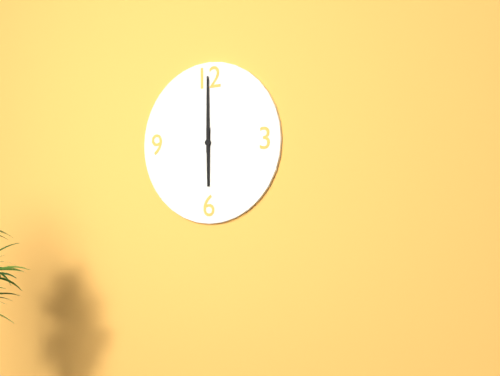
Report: 6:00
